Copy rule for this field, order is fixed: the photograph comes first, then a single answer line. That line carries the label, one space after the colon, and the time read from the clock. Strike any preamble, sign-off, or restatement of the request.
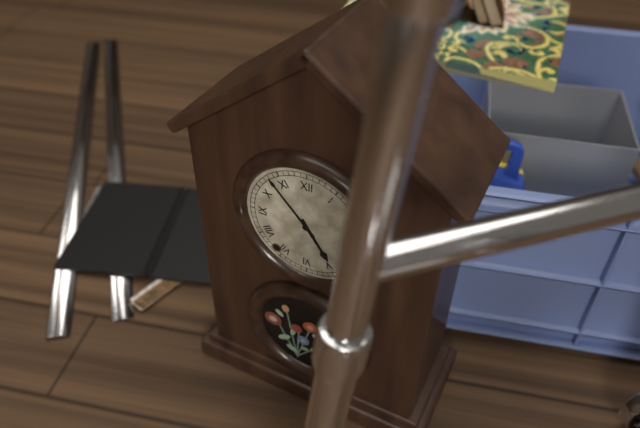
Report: 4:53
